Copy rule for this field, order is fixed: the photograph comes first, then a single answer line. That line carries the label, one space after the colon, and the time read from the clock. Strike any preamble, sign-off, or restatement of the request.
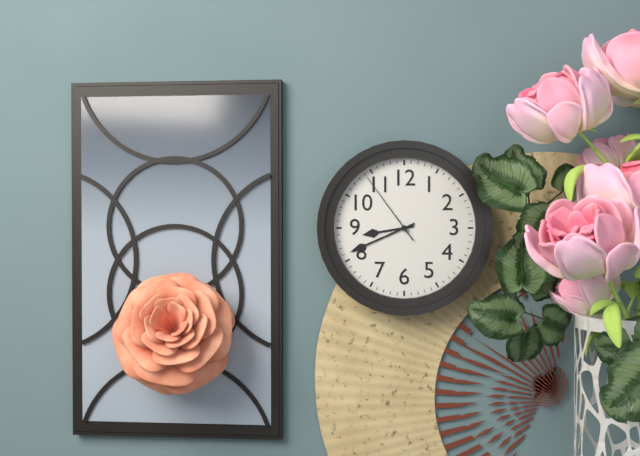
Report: 8:41:54
